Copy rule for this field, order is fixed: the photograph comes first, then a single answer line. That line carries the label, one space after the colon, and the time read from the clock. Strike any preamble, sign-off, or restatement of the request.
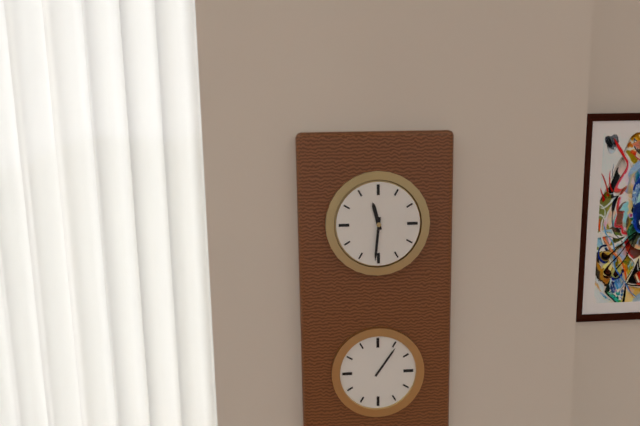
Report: 11:31
